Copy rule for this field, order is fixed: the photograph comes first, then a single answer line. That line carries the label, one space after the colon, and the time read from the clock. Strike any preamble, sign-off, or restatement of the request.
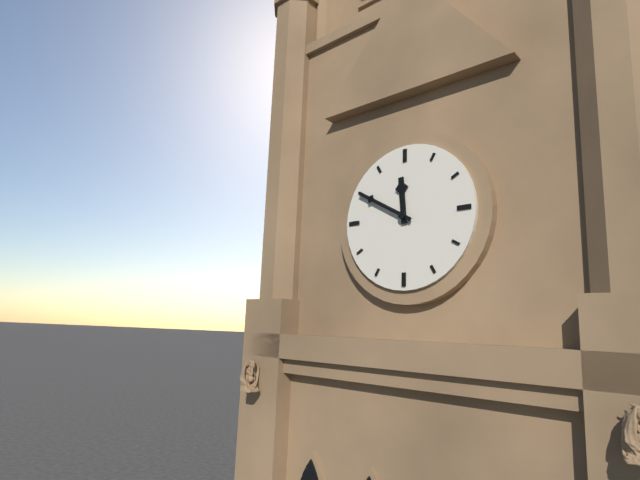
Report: 11:50
